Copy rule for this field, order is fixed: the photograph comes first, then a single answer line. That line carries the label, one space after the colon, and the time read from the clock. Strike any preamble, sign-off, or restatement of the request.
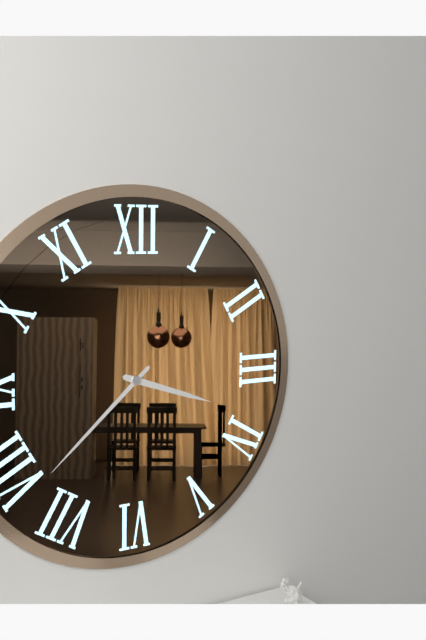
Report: 3:38
